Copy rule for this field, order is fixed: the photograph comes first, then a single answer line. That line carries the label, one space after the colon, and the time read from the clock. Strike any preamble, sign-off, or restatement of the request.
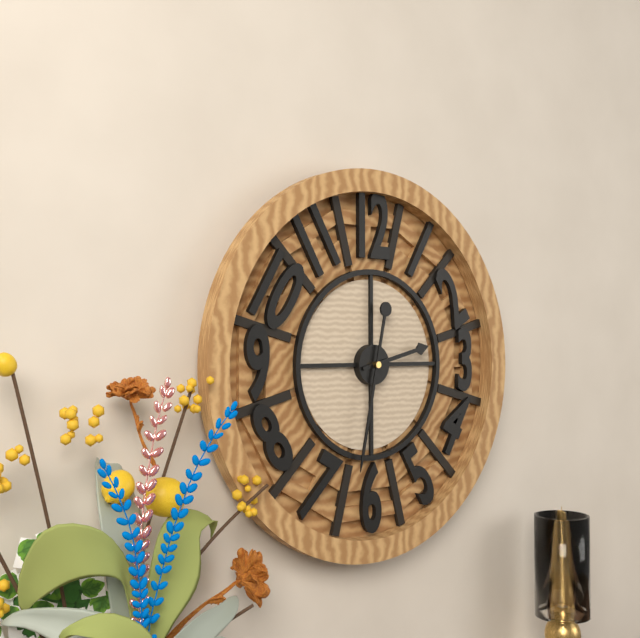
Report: 2:32
